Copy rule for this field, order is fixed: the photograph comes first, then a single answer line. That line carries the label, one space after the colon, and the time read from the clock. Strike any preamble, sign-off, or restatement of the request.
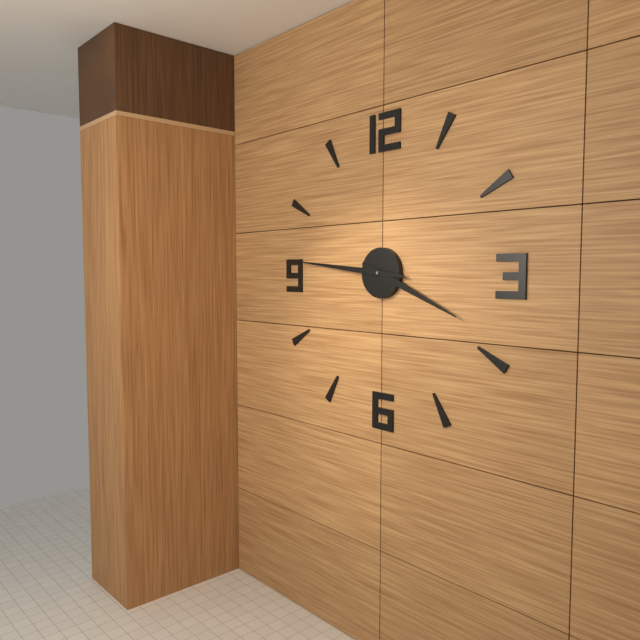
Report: 3:46
